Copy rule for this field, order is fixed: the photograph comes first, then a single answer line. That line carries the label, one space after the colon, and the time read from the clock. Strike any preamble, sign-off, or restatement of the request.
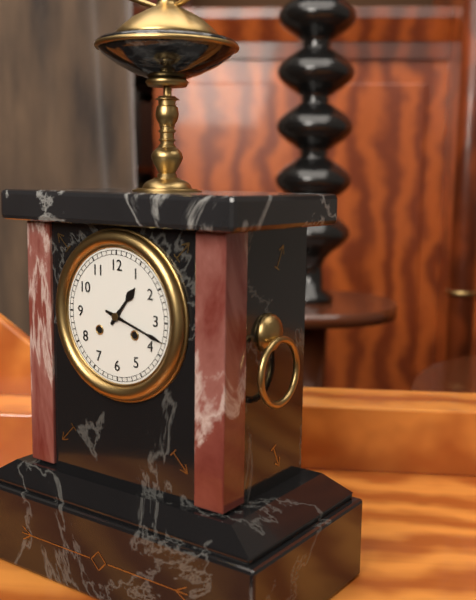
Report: 1:18
